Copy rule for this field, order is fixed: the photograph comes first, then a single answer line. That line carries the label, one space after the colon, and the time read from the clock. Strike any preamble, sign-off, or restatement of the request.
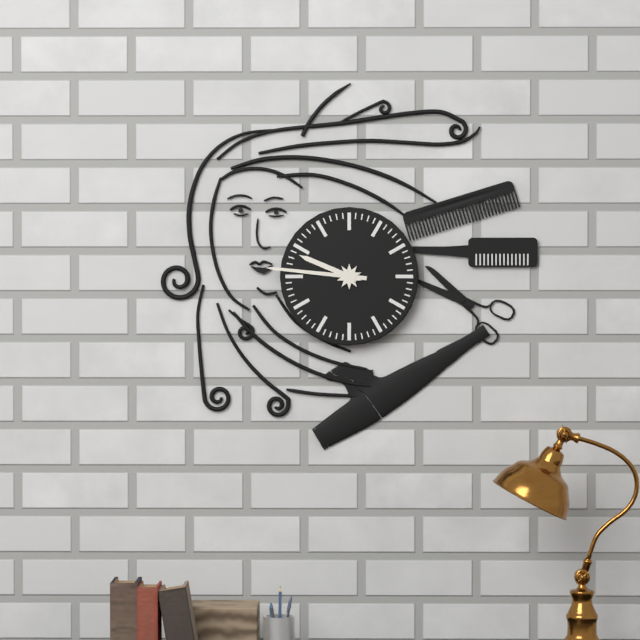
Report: 9:46
